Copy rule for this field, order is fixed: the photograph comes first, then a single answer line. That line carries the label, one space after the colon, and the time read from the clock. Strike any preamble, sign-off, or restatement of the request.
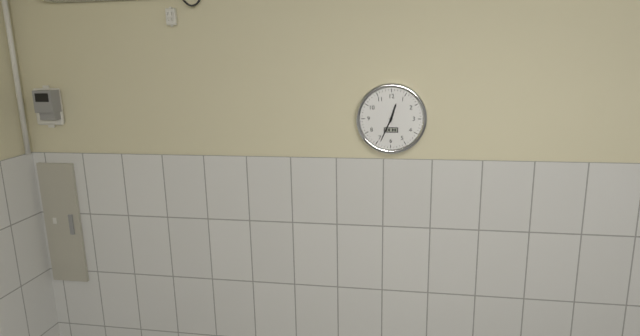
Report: 12:34
